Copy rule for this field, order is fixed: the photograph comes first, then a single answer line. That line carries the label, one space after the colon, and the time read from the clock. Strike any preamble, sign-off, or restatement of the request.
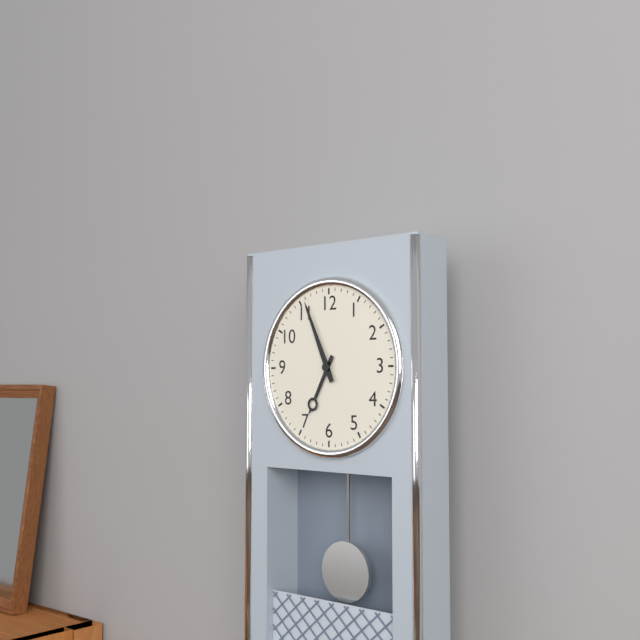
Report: 6:56
